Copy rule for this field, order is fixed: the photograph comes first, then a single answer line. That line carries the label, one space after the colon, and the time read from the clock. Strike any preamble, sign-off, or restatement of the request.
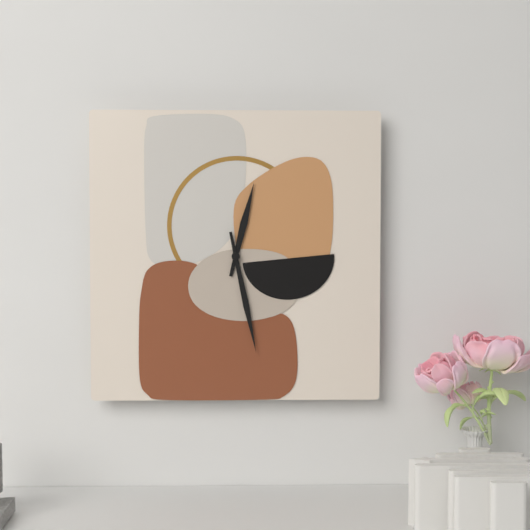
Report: 12:28
